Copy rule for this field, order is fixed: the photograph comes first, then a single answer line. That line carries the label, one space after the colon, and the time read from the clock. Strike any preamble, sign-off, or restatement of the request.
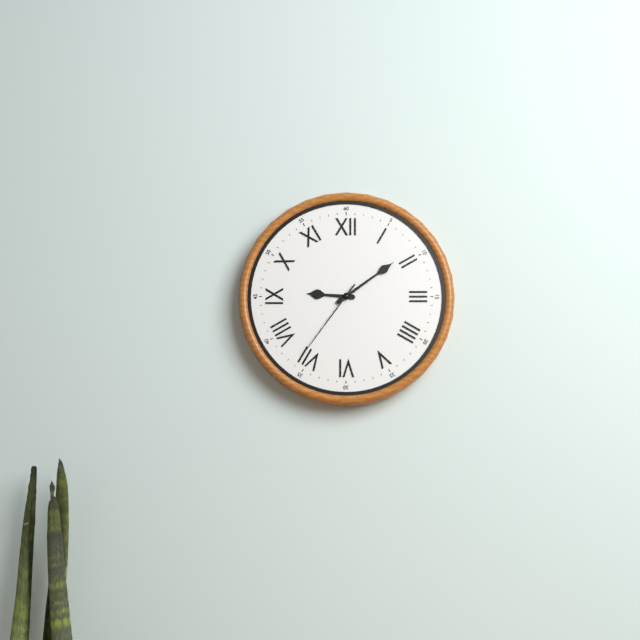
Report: 9:09:36
